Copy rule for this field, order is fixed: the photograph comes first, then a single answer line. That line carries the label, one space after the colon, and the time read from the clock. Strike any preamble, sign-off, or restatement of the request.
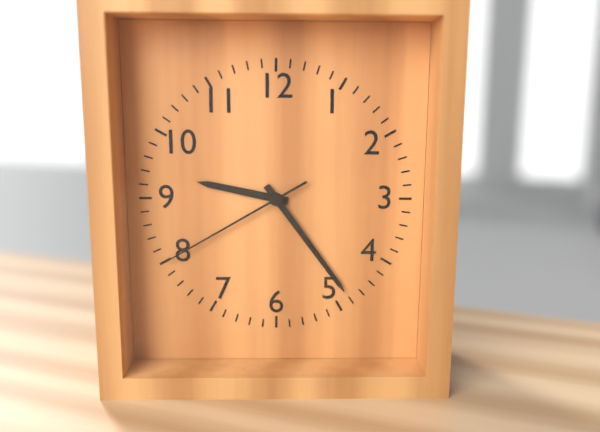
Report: 9:24:40
